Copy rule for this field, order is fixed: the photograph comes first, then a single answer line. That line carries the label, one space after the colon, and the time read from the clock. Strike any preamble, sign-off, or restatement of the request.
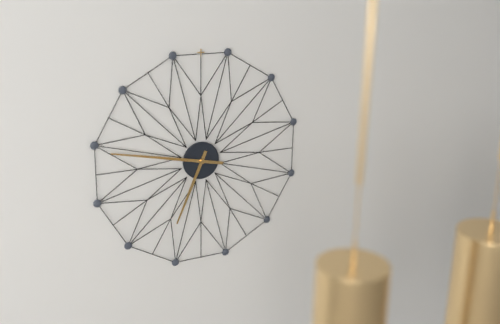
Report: 6:47
